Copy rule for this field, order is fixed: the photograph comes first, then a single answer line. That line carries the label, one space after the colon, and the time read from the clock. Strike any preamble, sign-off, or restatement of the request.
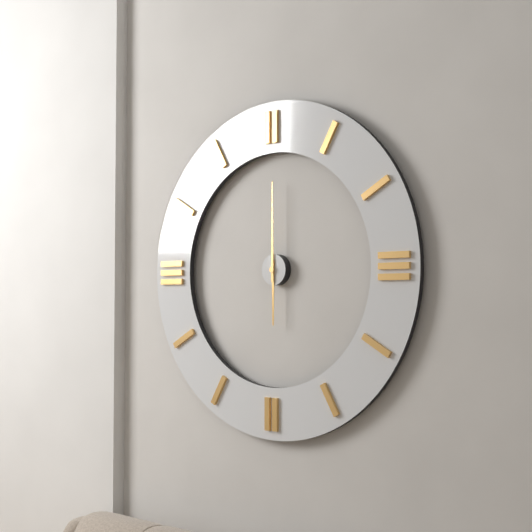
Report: 6:00
